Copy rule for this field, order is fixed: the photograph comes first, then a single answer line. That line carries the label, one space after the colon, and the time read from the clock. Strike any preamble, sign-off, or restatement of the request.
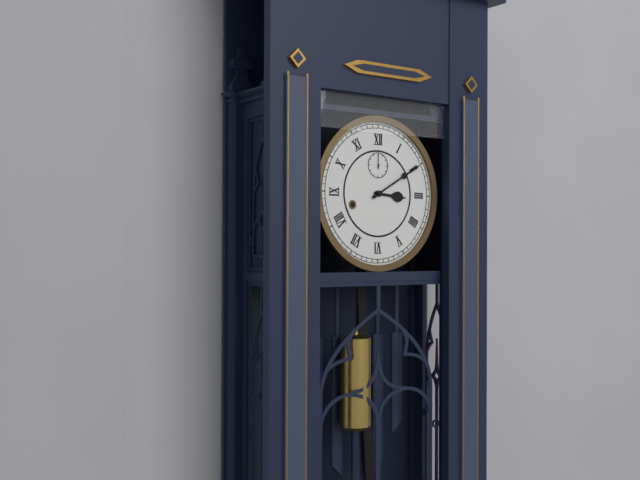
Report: 3:10
